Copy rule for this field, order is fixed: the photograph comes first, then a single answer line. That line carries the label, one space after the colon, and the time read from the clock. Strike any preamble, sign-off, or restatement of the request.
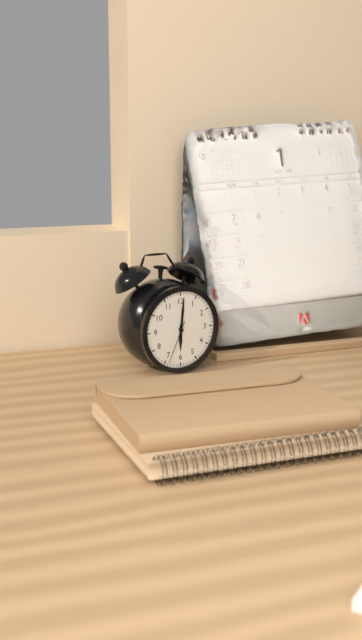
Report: 6:01
